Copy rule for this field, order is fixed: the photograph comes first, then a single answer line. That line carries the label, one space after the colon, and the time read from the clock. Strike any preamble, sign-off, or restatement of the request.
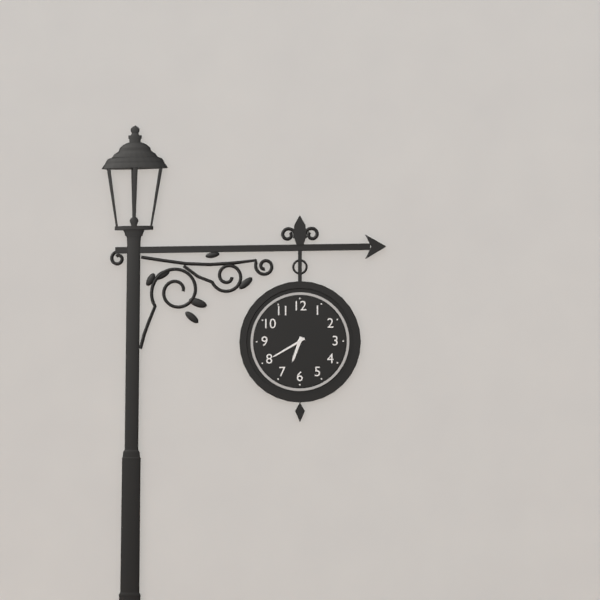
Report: 6:40
